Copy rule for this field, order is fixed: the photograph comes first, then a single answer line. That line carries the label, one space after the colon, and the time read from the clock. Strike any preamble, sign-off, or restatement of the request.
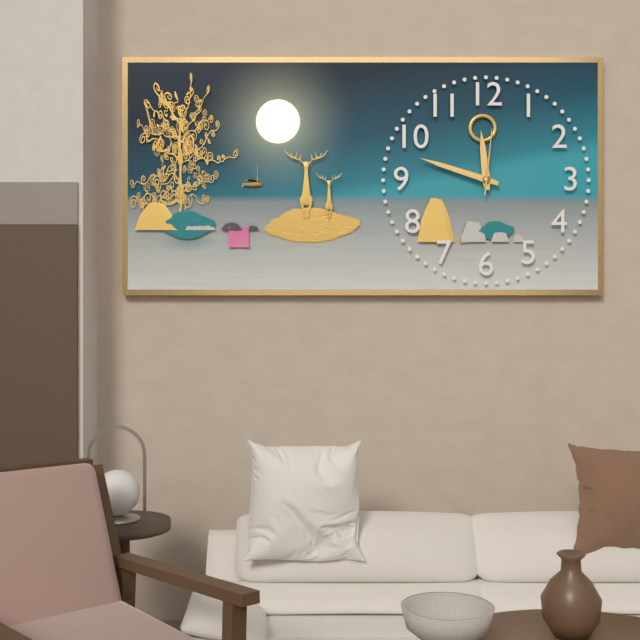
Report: 11:48:01
